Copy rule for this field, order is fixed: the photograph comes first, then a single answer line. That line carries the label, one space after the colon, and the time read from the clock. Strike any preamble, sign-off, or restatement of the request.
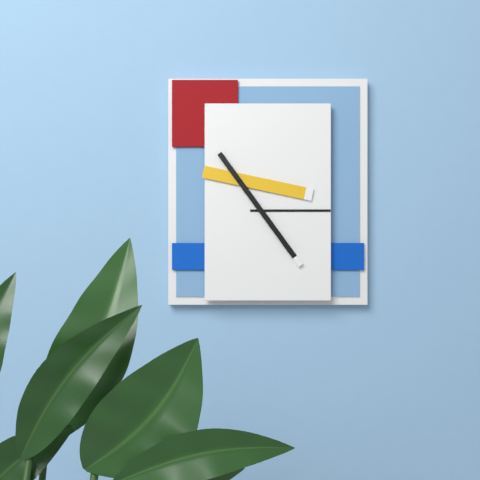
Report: 3:24
